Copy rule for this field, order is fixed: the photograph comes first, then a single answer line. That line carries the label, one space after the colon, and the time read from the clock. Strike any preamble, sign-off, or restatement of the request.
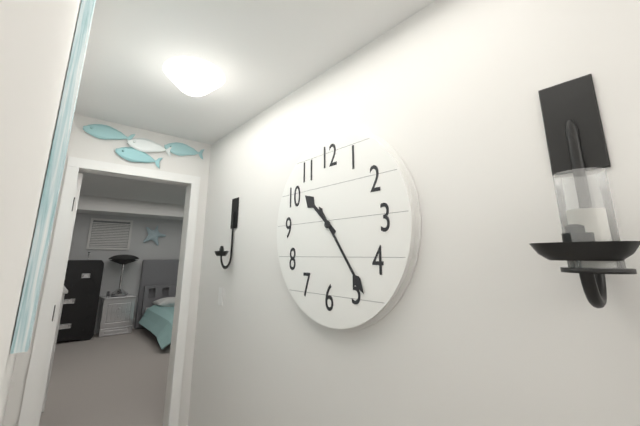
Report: 10:24
